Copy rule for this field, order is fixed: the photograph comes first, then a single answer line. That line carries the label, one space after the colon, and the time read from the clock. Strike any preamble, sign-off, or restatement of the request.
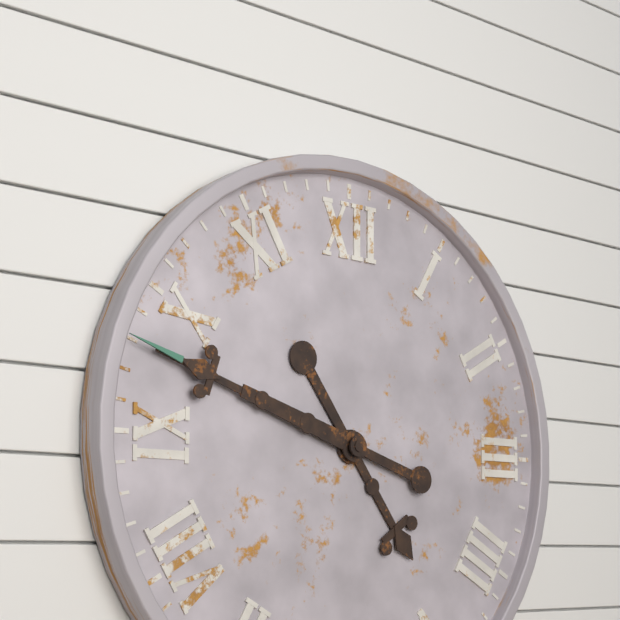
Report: 4:48
